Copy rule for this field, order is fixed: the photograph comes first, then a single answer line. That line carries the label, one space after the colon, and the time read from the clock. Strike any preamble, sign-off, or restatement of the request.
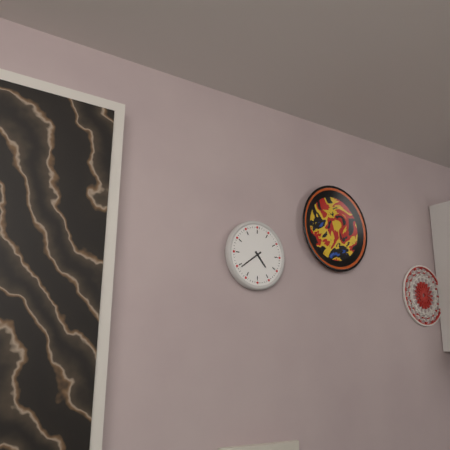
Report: 4:39
